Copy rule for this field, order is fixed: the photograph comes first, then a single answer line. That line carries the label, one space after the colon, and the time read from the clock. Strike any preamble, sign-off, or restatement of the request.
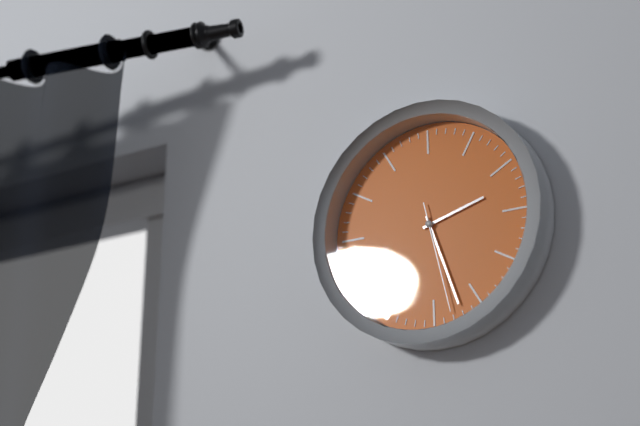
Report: 2:27:28
